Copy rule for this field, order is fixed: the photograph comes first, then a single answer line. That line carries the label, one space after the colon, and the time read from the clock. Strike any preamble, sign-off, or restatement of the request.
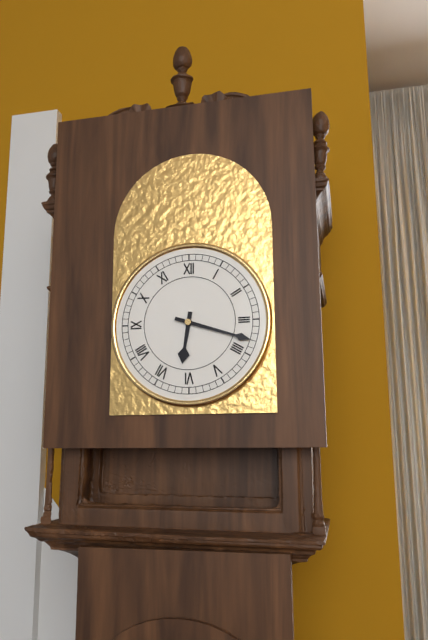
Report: 6:18
